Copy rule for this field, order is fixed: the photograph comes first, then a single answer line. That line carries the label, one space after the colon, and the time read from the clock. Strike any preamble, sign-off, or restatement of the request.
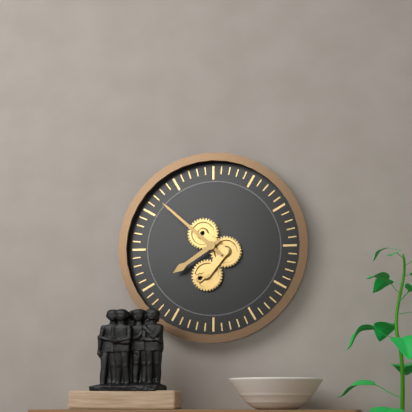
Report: 7:52
